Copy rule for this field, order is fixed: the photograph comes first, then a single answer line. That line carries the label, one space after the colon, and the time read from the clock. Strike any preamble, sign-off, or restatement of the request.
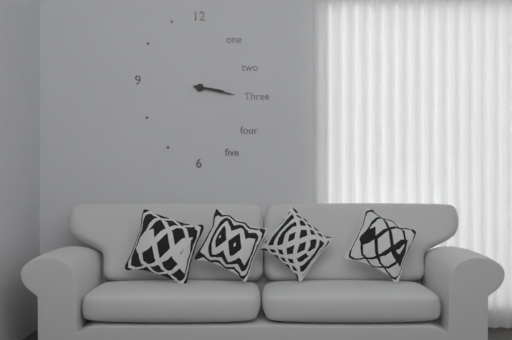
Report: 3:17
